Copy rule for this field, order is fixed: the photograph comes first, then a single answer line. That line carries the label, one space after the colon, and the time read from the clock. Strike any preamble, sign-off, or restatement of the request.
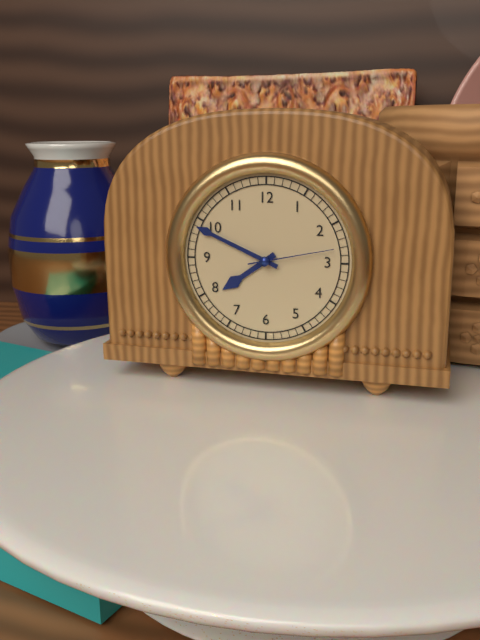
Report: 7:49:13
